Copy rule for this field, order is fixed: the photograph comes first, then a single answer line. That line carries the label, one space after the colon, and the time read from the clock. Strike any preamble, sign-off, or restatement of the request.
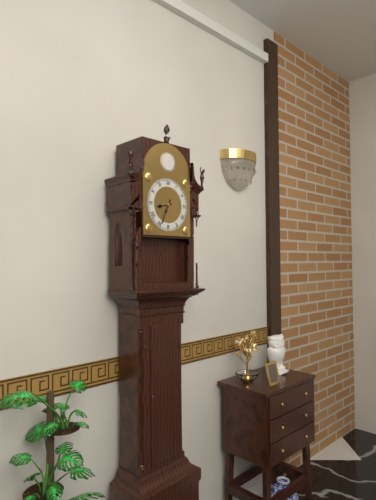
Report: 8:34
